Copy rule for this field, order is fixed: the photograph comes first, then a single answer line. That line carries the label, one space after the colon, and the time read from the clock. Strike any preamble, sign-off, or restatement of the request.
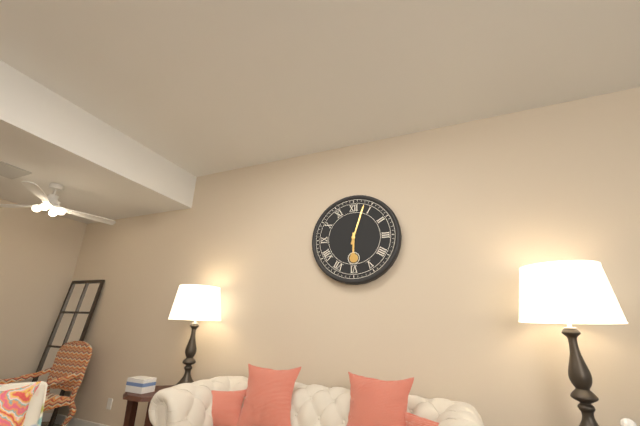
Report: 6:03
